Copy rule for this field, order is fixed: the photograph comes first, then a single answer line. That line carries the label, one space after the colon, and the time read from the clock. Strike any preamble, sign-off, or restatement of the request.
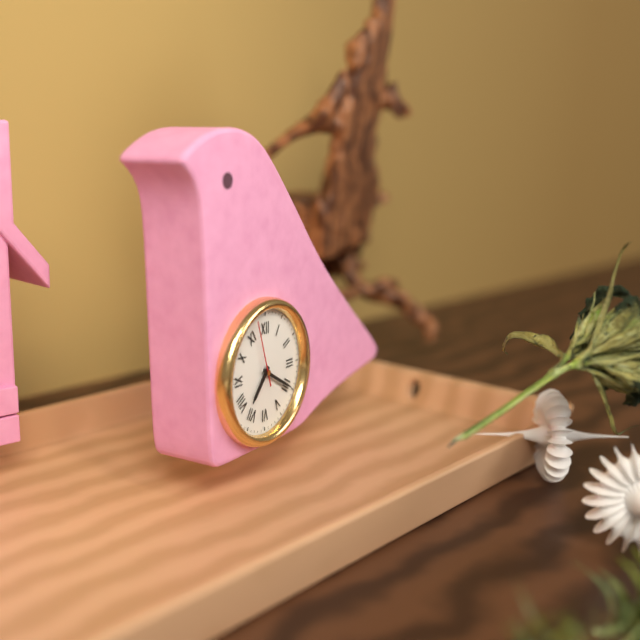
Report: 7:20:57
